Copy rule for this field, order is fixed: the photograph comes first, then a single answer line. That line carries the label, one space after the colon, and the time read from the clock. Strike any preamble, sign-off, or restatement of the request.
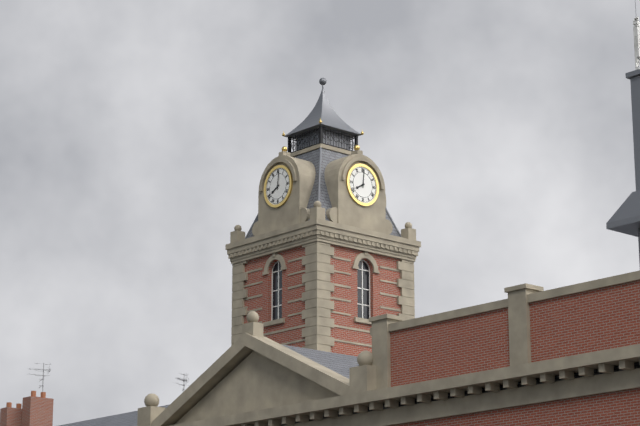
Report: 8:01
